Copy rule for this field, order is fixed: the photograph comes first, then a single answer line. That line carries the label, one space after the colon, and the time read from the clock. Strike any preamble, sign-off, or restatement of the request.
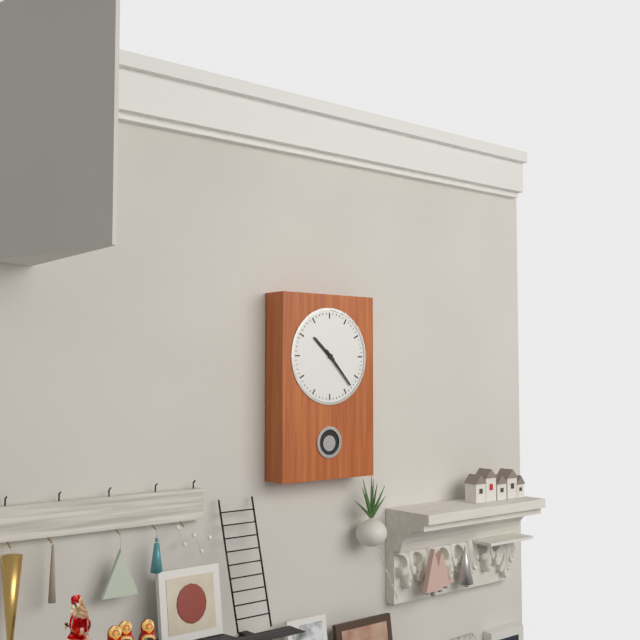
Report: 10:23
